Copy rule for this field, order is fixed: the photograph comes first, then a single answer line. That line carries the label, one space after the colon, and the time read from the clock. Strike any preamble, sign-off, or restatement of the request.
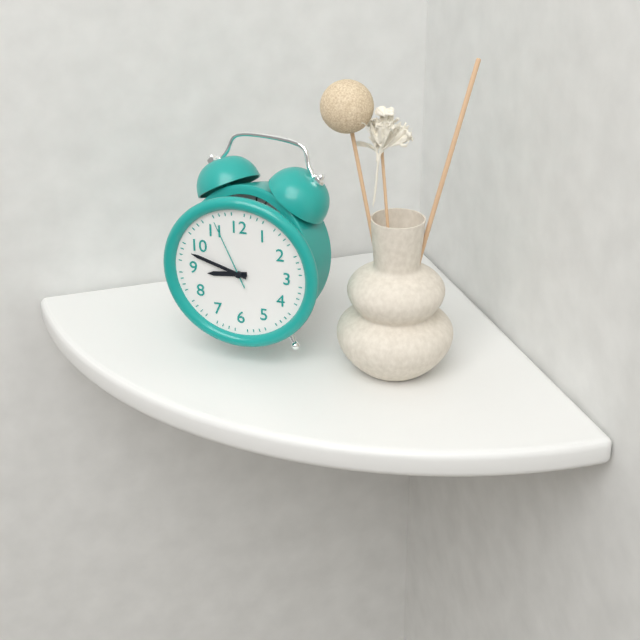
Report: 8:48:56
